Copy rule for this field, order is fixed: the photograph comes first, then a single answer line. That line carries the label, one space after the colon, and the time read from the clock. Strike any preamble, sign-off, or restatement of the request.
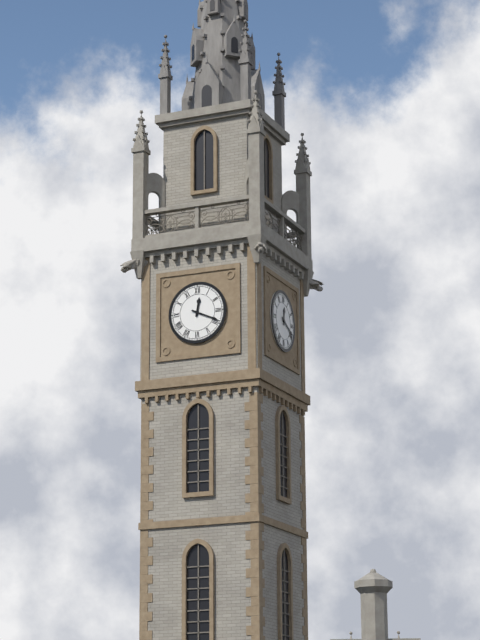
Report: 12:19
